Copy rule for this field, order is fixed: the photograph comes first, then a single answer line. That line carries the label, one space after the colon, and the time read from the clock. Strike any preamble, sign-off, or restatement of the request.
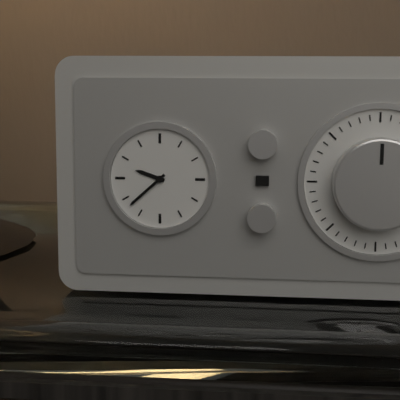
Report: 9:38
